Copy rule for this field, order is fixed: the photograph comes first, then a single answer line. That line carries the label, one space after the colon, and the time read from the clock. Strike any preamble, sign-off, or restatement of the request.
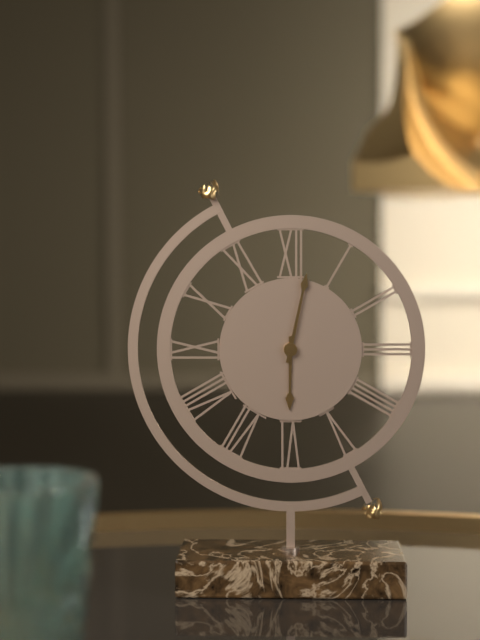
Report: 6:02
